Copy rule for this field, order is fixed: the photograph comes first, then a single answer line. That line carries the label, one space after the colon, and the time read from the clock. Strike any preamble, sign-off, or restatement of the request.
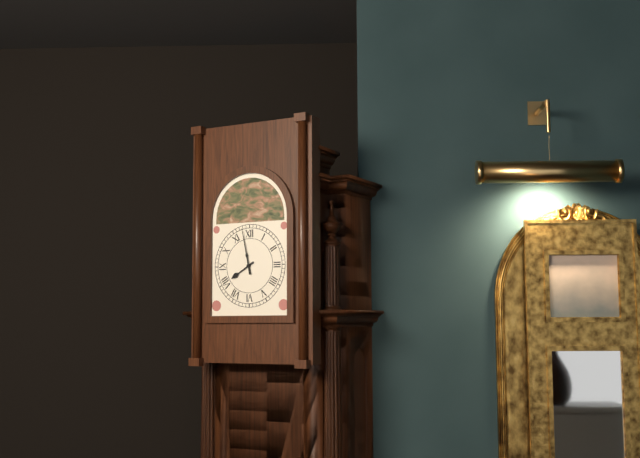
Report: 7:58
